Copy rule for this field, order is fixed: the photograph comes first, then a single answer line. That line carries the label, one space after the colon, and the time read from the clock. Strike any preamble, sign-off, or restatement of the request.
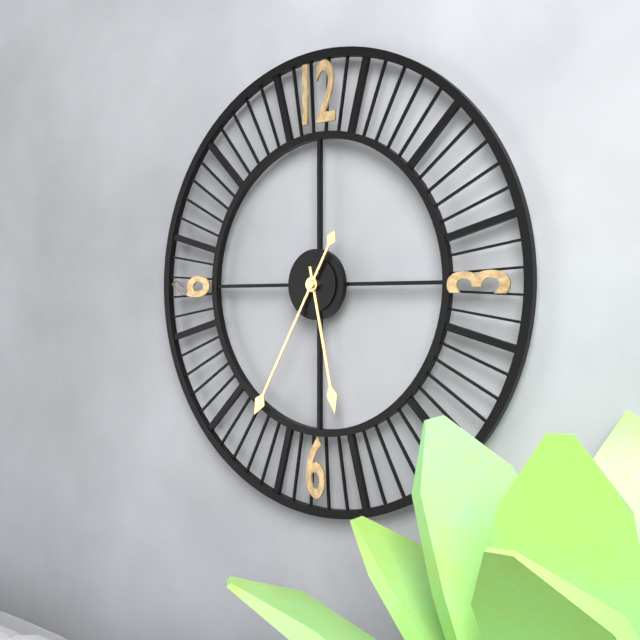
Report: 5:35
